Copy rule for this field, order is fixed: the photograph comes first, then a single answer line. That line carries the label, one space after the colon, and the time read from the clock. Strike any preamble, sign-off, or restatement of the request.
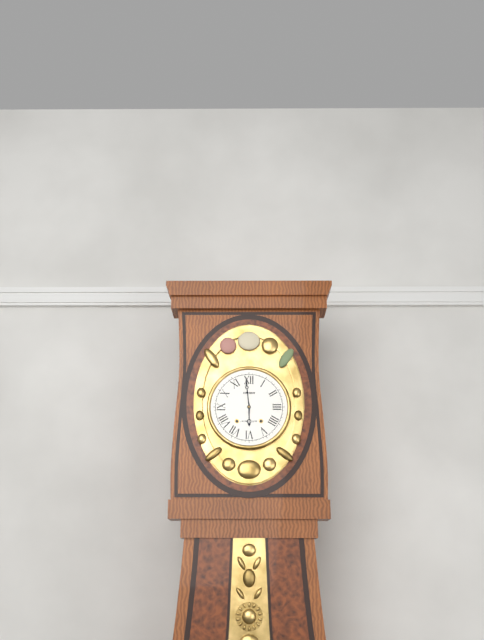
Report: 5:59
